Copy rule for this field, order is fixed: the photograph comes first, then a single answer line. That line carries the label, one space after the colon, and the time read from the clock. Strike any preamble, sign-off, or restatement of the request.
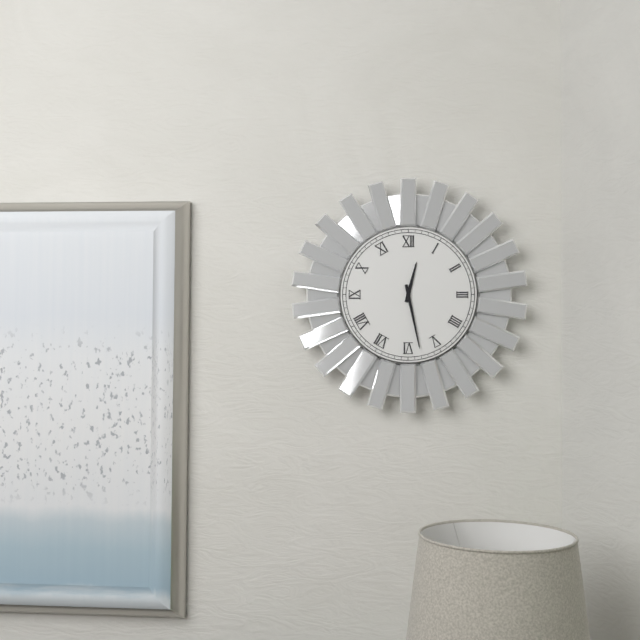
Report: 12:28
